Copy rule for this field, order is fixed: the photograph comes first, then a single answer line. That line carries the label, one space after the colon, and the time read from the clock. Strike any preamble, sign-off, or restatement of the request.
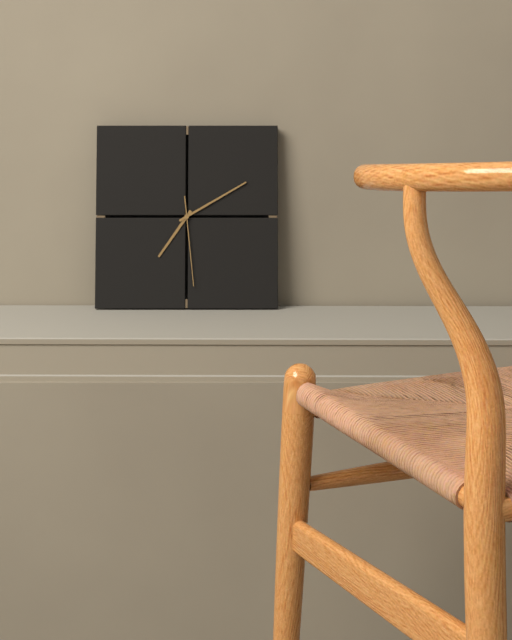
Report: 7:10:29
